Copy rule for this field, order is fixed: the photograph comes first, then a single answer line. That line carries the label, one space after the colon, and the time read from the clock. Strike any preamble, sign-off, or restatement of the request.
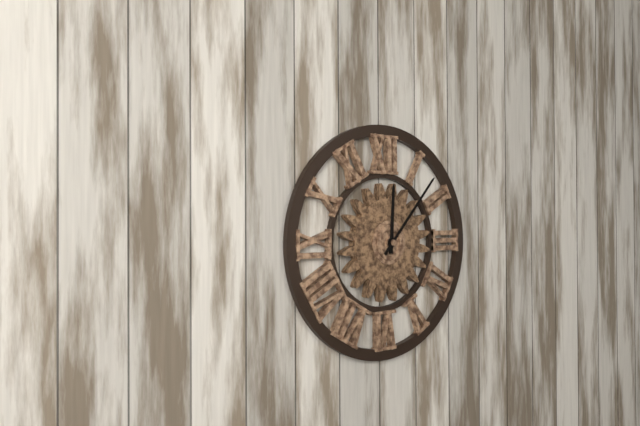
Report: 12:07
